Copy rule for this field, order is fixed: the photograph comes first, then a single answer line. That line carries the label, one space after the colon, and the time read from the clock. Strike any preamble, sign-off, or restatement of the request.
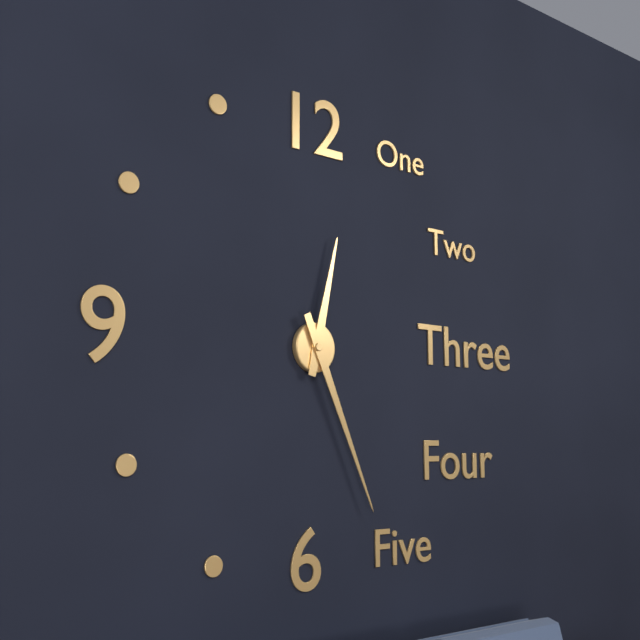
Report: 12:26
